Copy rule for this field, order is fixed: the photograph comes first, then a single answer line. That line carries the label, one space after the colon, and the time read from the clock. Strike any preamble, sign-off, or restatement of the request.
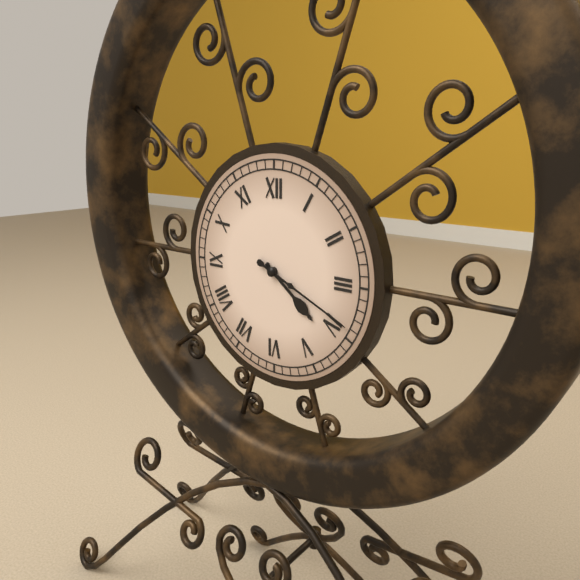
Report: 4:19
